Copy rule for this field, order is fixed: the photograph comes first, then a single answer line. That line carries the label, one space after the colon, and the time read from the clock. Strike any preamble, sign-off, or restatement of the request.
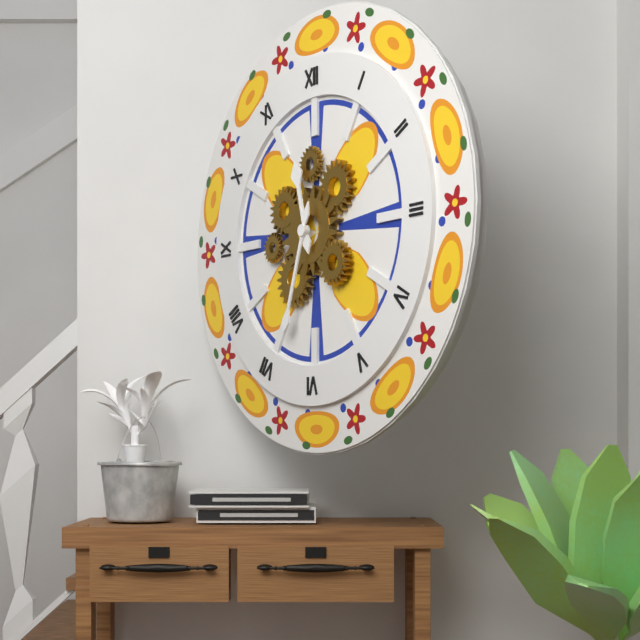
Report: 11:33
